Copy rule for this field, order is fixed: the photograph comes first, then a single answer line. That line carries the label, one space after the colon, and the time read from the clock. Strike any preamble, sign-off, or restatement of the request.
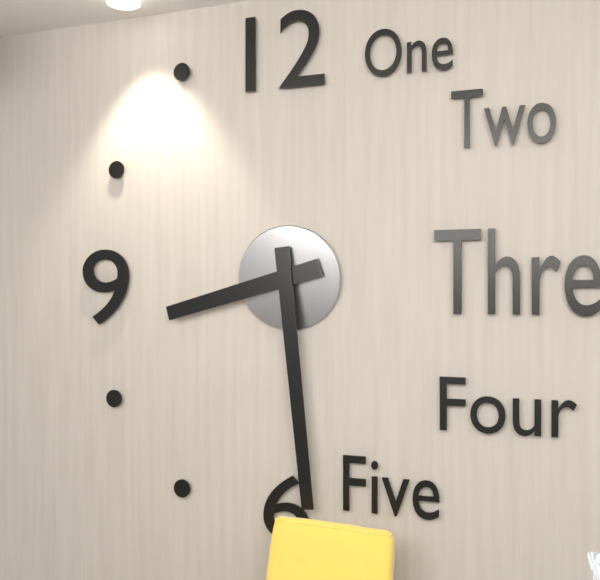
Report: 8:29
